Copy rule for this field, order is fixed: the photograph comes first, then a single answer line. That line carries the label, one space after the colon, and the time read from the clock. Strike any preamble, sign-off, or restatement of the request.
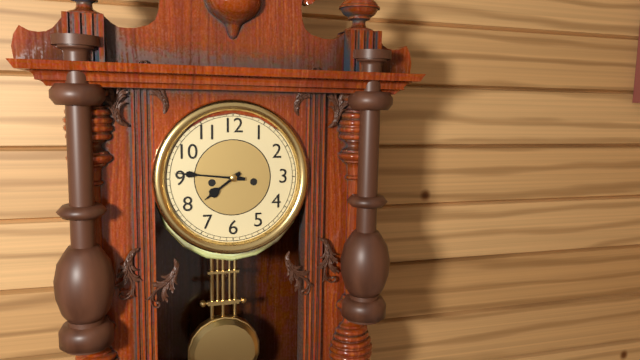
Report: 7:46
